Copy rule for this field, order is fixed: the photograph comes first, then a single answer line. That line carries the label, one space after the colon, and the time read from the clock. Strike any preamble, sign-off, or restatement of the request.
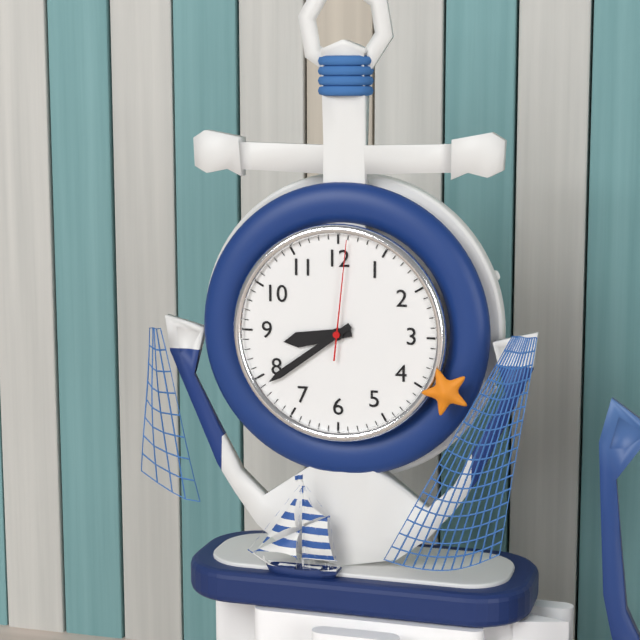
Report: 8:39:01
